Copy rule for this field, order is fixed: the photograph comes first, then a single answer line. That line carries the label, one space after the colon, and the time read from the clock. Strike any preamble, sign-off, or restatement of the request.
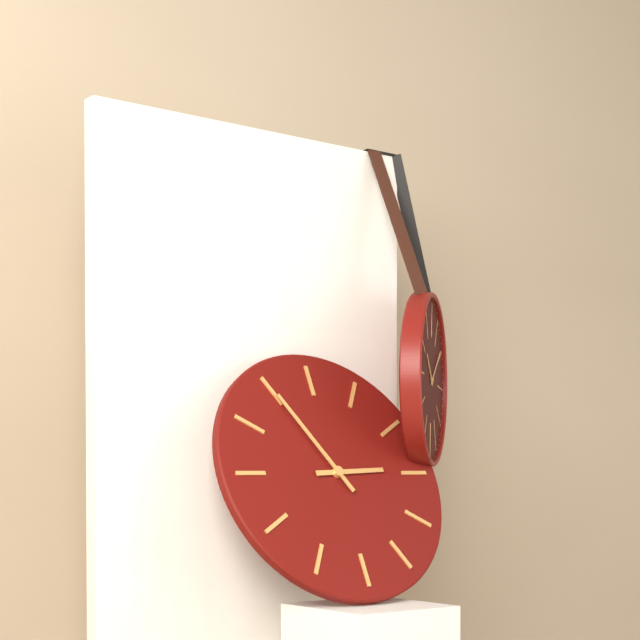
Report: 2:55
